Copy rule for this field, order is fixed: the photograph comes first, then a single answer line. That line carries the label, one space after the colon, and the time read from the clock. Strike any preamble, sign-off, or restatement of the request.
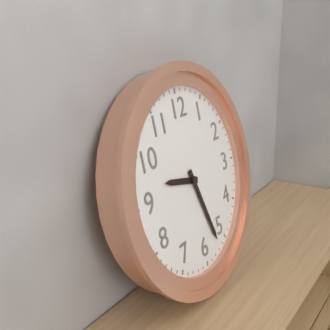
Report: 9:27
